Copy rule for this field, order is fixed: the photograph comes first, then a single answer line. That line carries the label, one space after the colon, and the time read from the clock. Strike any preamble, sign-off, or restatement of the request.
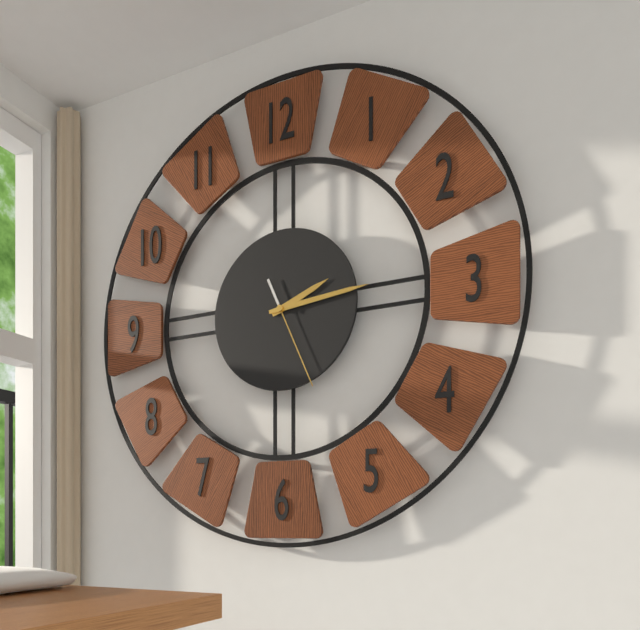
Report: 2:14:26
